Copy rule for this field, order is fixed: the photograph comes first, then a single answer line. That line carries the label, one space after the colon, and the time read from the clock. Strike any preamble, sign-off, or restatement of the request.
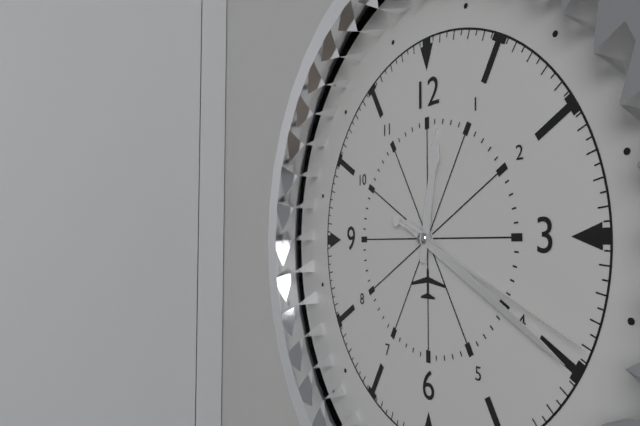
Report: 12:20:19
